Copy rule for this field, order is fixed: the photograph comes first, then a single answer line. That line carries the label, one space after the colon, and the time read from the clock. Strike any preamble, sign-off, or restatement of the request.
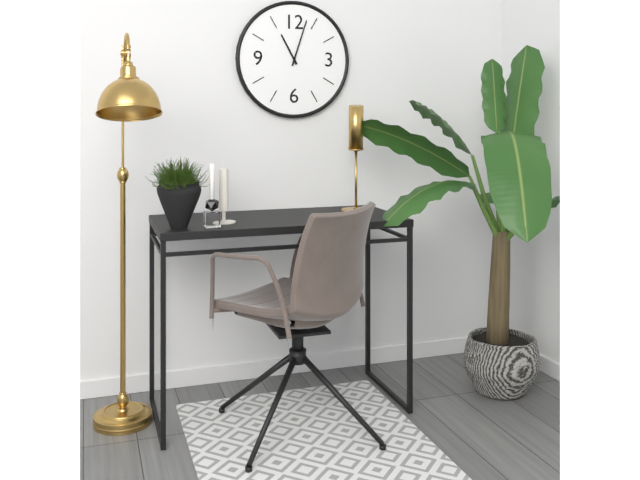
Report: 11:03
